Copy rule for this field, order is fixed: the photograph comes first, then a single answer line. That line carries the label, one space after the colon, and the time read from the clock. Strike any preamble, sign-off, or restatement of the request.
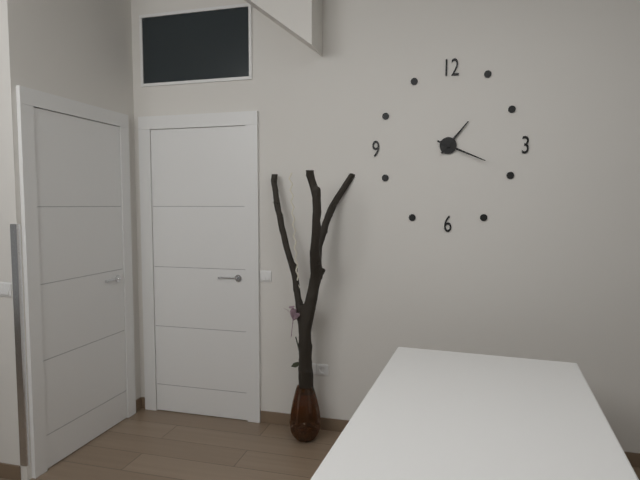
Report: 1:19
